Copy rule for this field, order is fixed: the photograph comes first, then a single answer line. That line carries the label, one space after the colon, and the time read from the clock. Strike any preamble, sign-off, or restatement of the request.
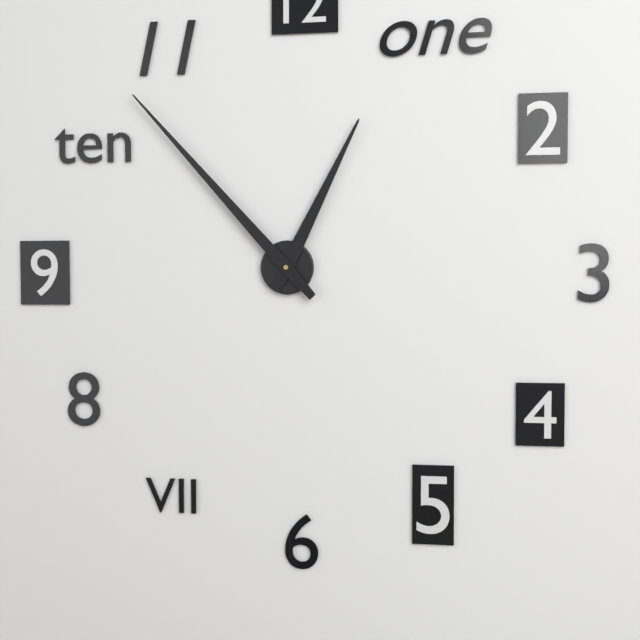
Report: 12:53
